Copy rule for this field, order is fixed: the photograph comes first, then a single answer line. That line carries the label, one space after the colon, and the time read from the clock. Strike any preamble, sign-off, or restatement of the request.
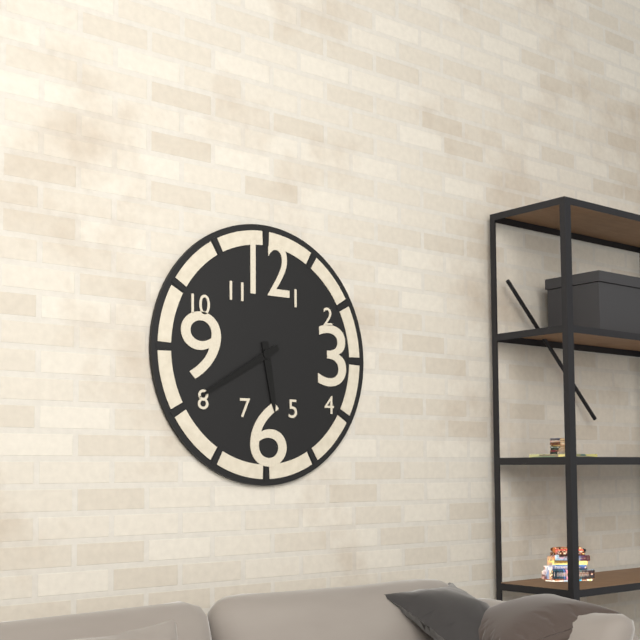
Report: 5:40
